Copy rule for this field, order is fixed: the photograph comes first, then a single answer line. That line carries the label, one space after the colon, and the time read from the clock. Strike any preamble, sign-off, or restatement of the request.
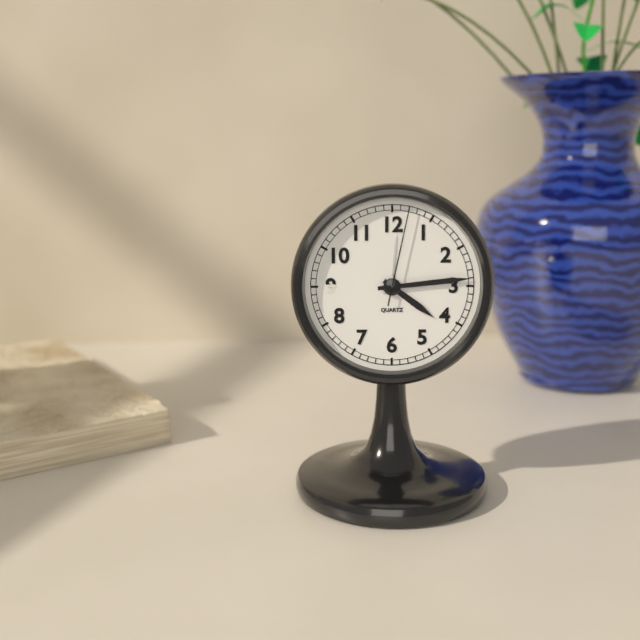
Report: 4:14:02
